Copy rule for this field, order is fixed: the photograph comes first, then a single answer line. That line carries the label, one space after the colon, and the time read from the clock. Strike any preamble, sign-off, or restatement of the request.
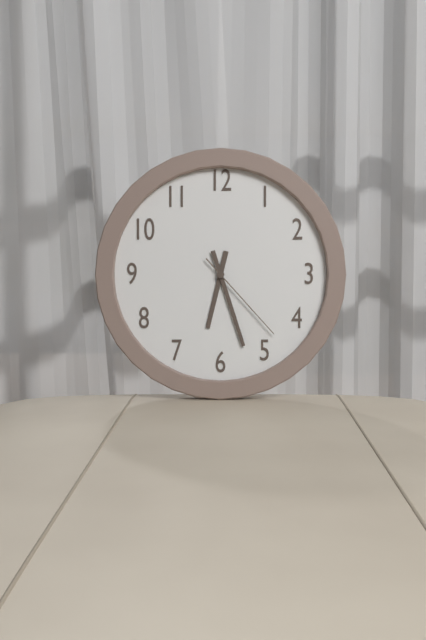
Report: 6:27:23
